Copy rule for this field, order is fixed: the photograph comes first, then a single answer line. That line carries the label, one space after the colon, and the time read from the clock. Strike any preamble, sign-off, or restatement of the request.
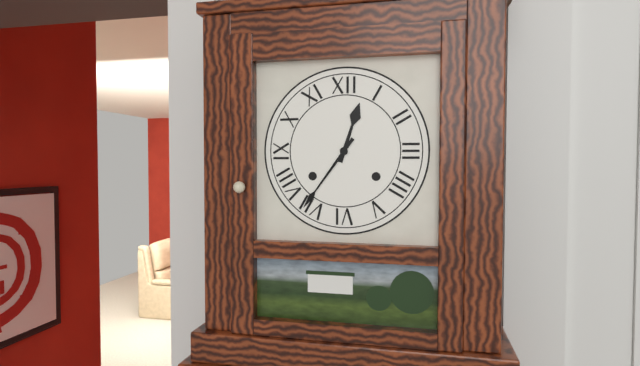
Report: 12:36
